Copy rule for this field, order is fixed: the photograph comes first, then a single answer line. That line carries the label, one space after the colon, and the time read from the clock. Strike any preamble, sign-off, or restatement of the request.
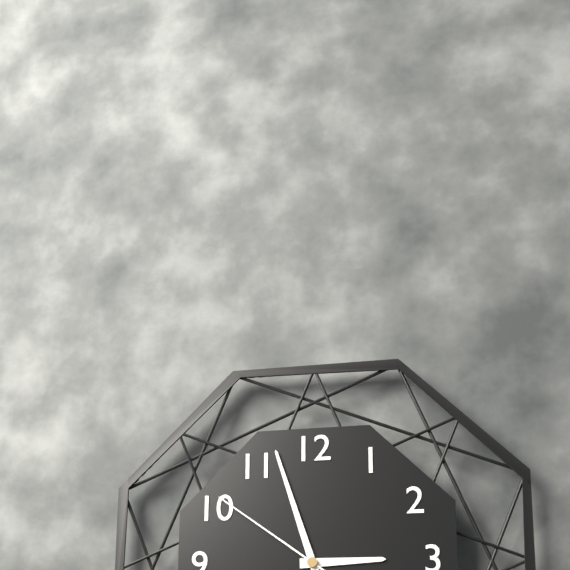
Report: 2:57:51
